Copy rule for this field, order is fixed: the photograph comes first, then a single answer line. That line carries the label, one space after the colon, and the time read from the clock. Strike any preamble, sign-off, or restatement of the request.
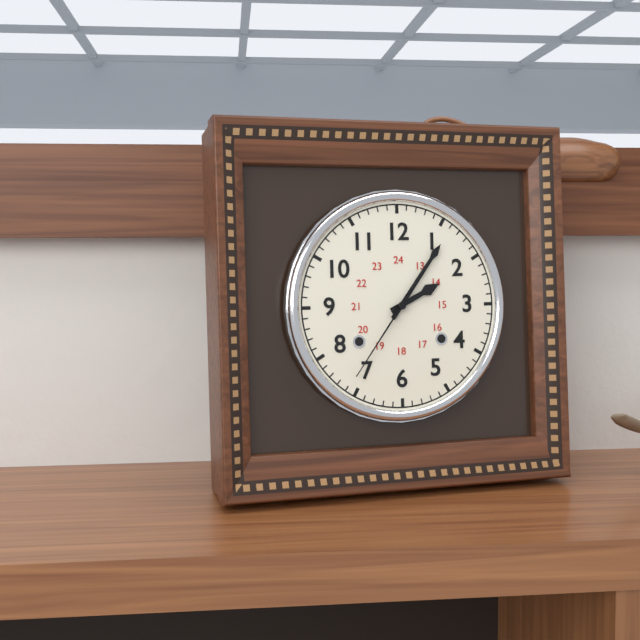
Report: 2:06:36
